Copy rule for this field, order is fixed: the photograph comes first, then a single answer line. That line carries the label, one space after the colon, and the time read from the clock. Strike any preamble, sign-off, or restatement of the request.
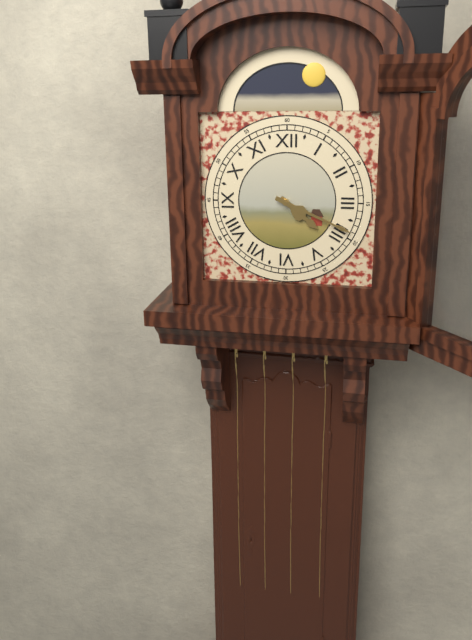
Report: 4:19
